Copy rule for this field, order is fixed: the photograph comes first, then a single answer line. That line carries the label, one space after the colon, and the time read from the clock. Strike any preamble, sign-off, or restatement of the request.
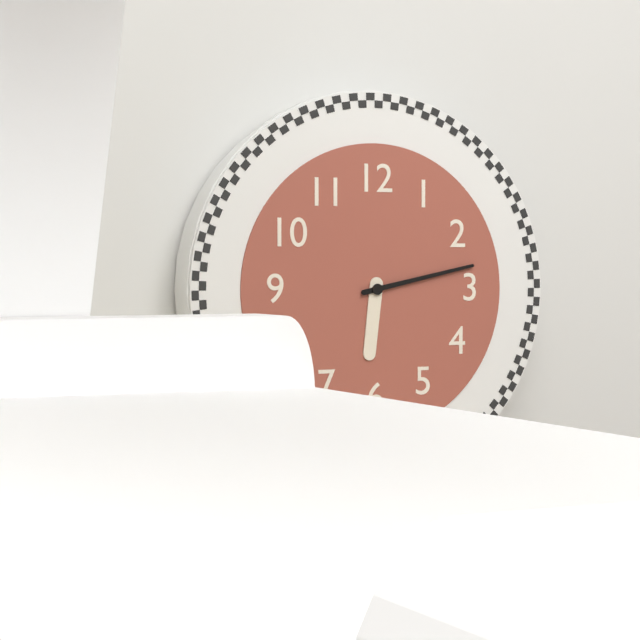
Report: 6:13
